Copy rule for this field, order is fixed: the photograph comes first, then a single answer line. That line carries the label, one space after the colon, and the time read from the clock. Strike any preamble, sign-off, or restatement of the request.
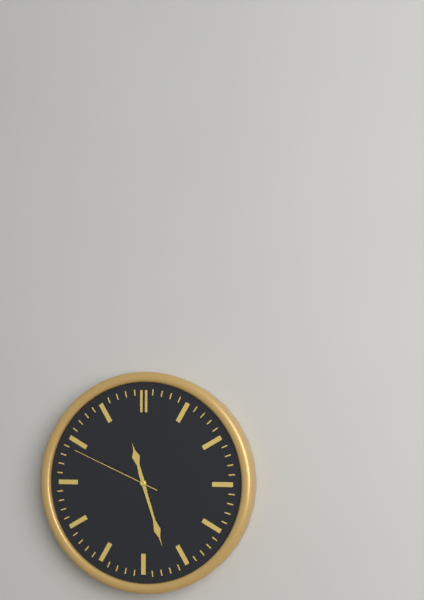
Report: 11:27:49
